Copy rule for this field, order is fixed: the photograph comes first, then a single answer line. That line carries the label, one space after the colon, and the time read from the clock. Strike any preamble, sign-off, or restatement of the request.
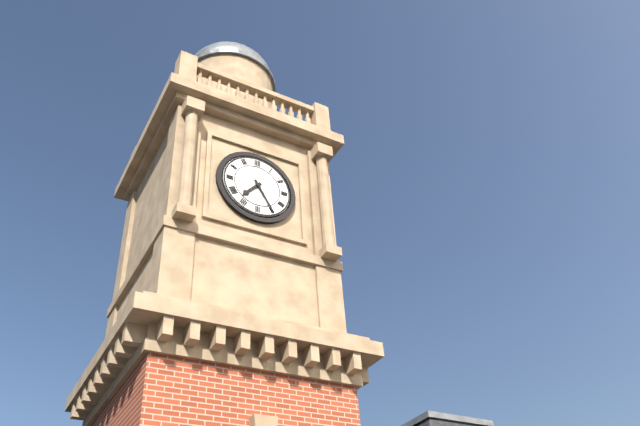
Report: 7:25
